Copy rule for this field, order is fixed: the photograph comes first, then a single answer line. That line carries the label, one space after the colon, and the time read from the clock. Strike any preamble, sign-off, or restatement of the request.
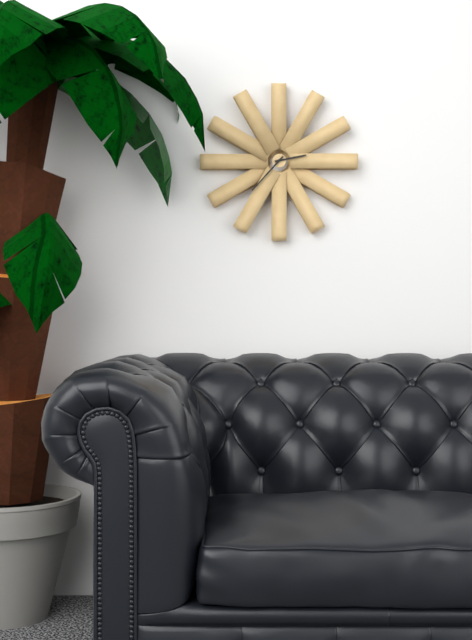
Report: 2:37
